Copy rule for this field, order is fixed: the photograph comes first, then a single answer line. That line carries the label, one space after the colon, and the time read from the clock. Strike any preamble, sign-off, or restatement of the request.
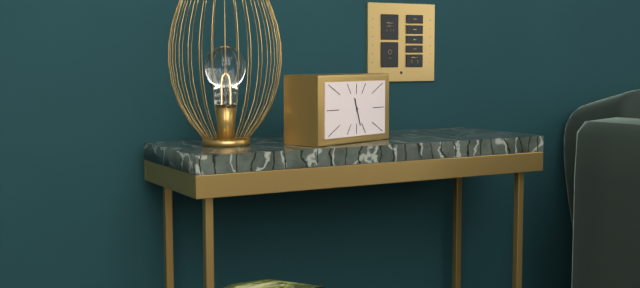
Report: 11:27
